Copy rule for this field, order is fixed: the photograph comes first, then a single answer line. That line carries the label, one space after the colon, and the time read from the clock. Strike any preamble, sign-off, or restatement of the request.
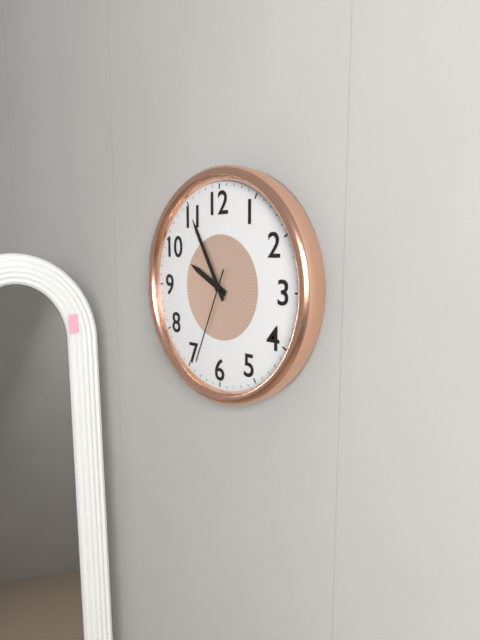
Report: 9:55:34
